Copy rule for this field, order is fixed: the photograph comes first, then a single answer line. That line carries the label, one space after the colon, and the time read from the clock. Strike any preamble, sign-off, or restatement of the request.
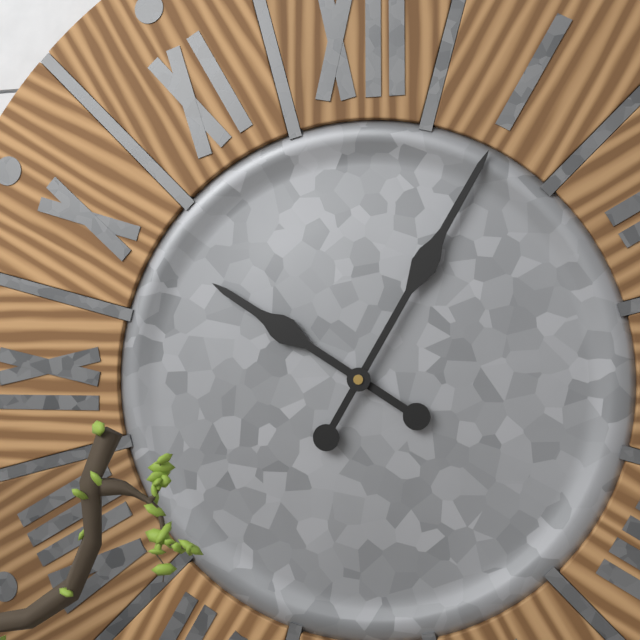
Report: 10:05
